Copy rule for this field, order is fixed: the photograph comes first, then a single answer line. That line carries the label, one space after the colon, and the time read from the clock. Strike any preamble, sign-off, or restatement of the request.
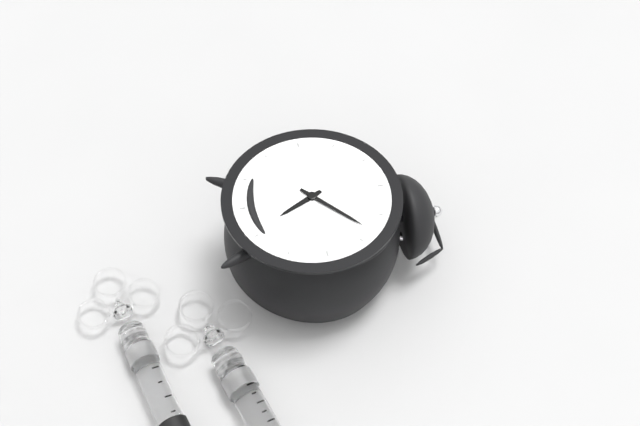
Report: 5:08
